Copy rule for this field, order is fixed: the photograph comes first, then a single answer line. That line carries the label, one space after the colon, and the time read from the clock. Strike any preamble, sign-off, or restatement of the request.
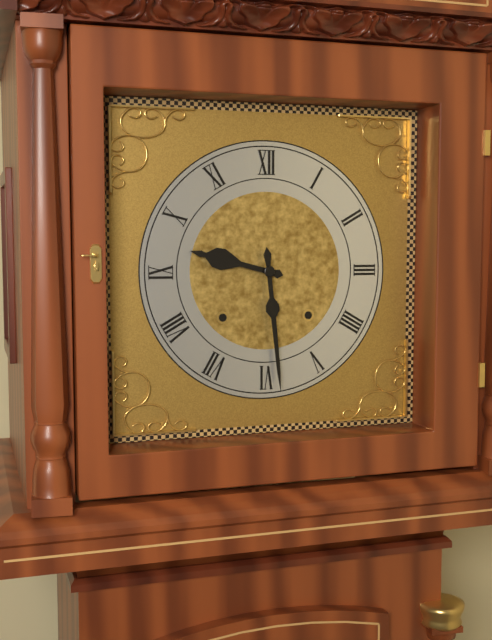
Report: 9:29
